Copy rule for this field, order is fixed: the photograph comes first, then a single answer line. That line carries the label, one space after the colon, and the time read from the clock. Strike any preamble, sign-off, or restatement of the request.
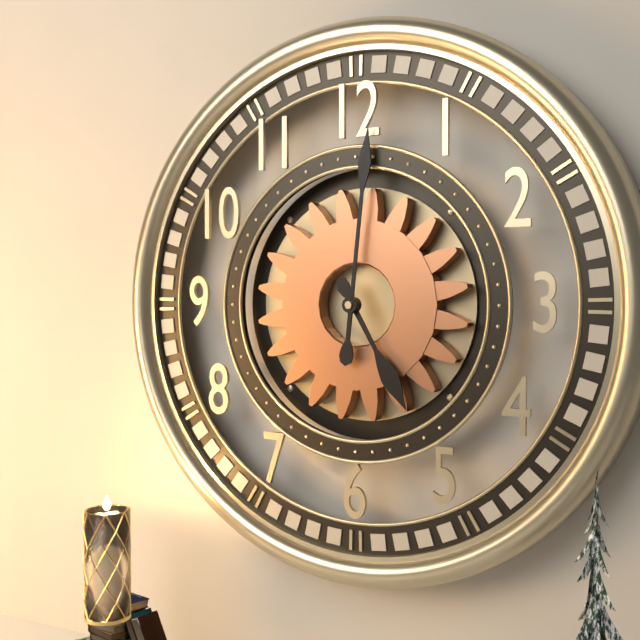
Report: 5:01
